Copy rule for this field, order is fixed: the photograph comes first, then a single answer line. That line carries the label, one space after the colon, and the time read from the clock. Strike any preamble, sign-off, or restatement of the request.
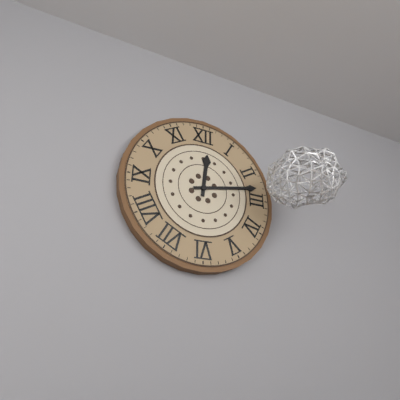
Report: 12:13
